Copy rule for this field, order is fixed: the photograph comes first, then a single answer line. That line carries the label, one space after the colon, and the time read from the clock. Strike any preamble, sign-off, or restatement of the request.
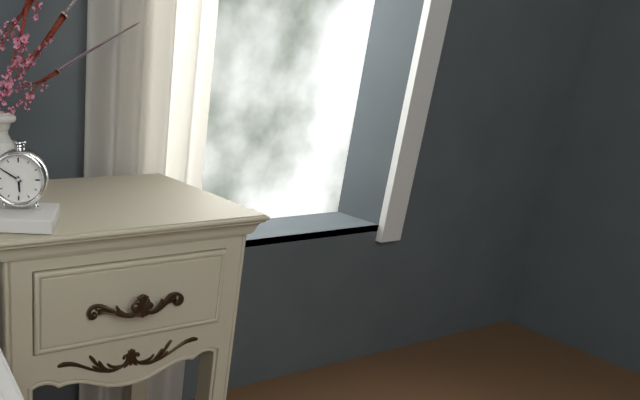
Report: 5:50
